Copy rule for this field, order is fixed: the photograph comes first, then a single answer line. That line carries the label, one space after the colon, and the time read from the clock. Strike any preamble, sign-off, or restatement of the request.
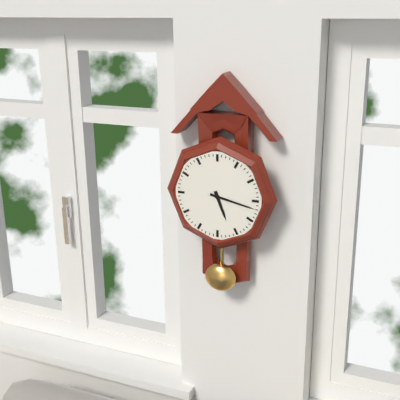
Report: 5:17
